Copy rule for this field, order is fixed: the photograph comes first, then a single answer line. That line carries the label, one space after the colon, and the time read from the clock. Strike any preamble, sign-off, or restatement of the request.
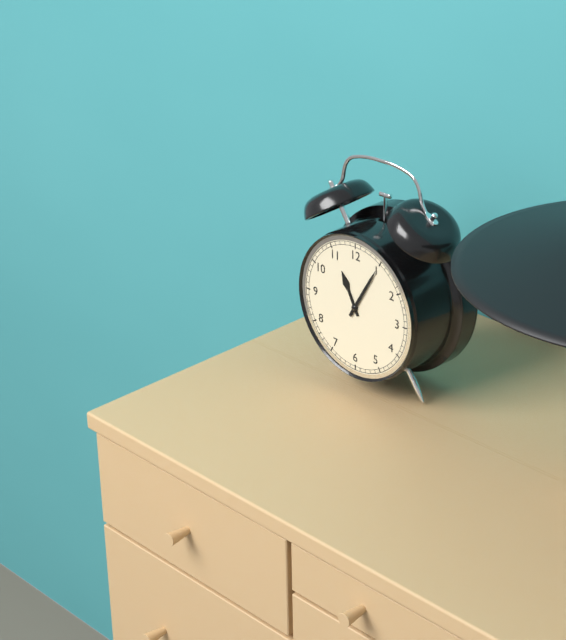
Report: 11:05
